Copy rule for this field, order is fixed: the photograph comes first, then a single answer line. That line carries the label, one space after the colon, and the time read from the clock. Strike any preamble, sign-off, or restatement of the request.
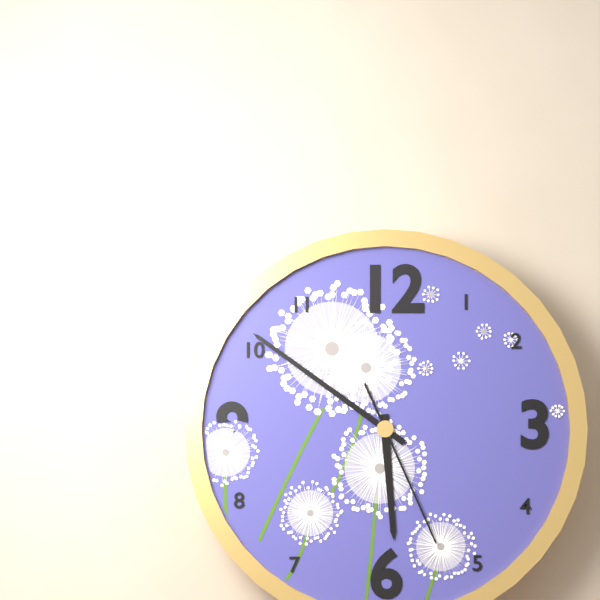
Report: 5:51:26
